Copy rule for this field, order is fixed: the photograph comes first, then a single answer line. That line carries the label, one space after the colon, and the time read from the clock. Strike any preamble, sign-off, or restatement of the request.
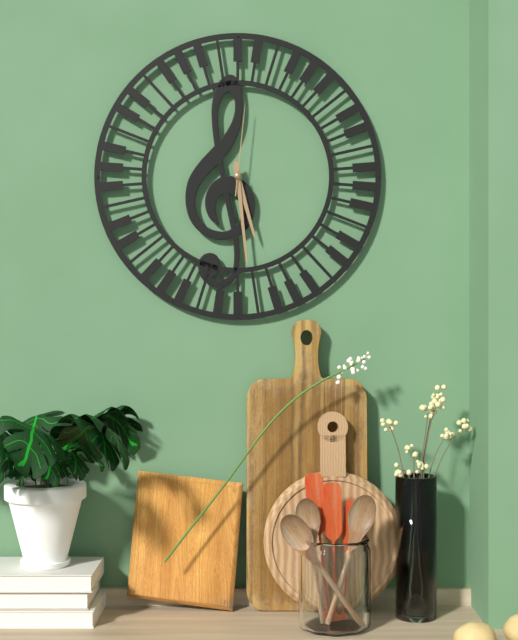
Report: 5:29:01
